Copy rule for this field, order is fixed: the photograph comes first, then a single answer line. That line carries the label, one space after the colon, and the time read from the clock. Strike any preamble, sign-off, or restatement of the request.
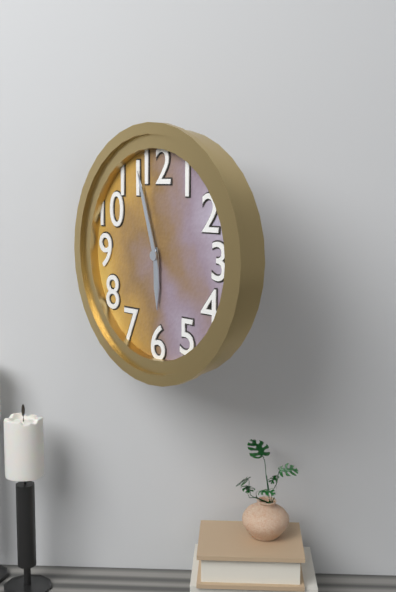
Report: 5:57
